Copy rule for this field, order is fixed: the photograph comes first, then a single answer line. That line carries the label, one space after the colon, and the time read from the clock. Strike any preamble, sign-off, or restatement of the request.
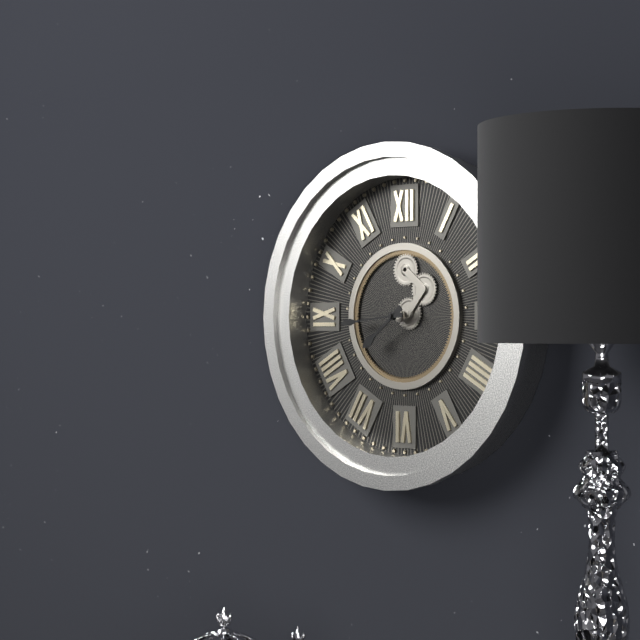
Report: 7:44
